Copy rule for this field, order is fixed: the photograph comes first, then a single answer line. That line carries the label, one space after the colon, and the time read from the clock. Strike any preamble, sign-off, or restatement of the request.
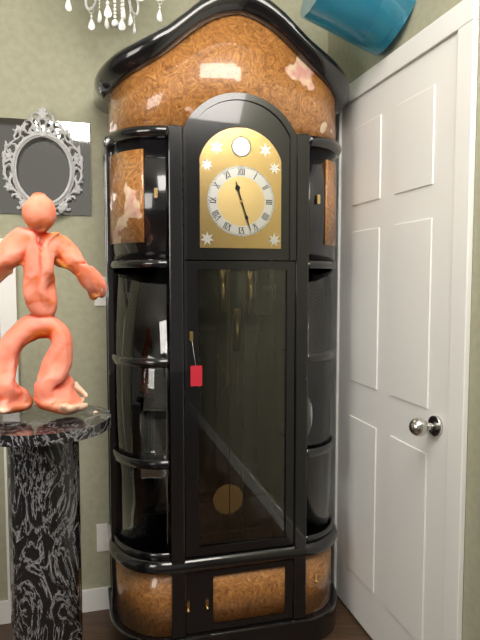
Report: 11:27
